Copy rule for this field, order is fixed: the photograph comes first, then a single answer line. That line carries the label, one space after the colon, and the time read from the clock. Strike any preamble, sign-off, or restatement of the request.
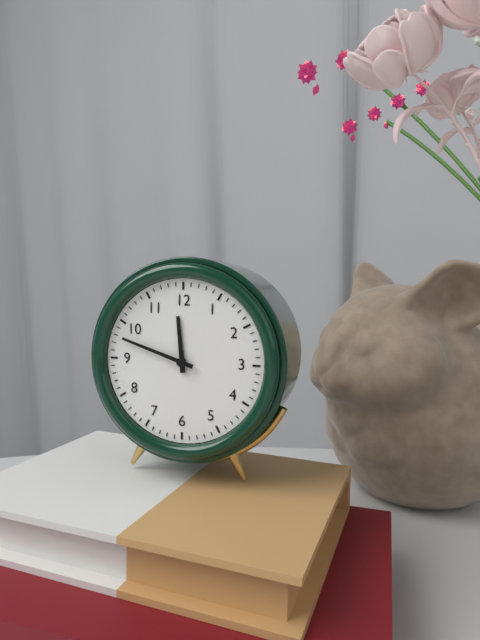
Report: 11:48
